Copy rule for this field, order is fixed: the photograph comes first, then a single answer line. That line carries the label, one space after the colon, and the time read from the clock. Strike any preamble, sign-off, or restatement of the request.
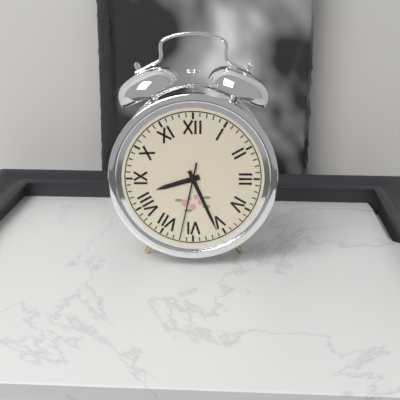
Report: 8:26:32
